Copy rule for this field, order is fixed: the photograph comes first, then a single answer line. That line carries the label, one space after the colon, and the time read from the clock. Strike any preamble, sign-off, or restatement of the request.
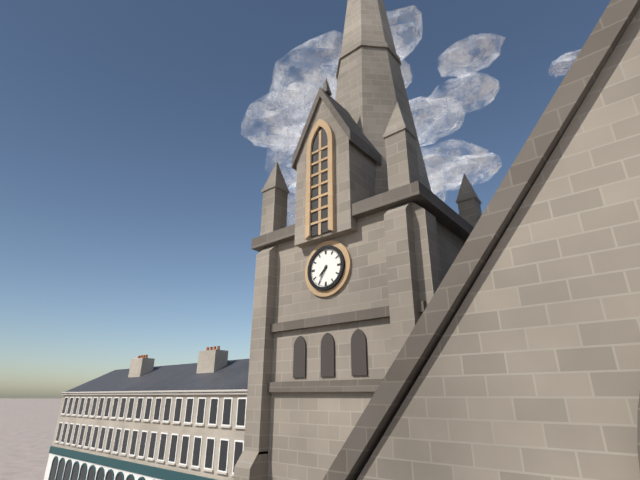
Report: 7:35
